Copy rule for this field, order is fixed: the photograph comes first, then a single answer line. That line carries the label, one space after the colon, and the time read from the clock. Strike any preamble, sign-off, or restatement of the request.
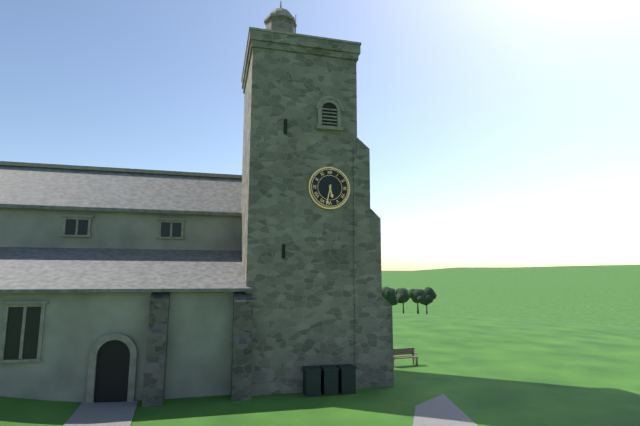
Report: 5:32
